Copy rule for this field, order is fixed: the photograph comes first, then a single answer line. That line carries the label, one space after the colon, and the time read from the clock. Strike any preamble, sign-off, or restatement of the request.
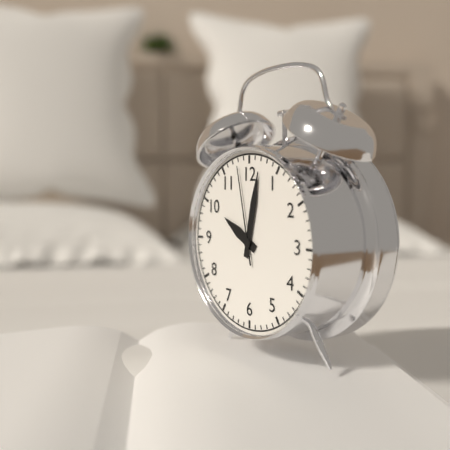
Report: 10:02:58
